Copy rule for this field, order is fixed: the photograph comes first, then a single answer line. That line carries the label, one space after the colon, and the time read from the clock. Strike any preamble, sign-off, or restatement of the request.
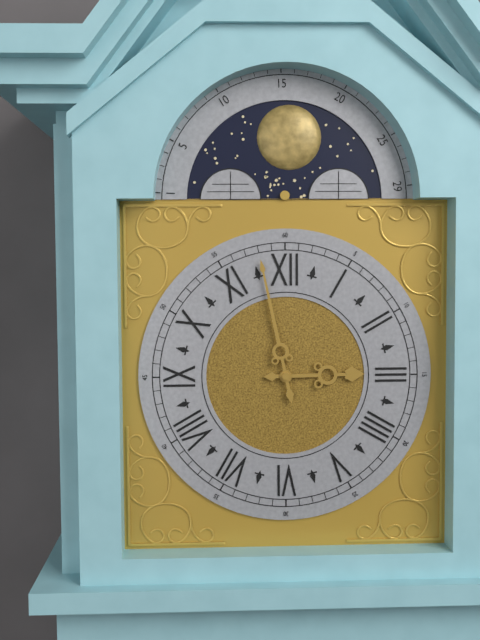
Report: 2:58
